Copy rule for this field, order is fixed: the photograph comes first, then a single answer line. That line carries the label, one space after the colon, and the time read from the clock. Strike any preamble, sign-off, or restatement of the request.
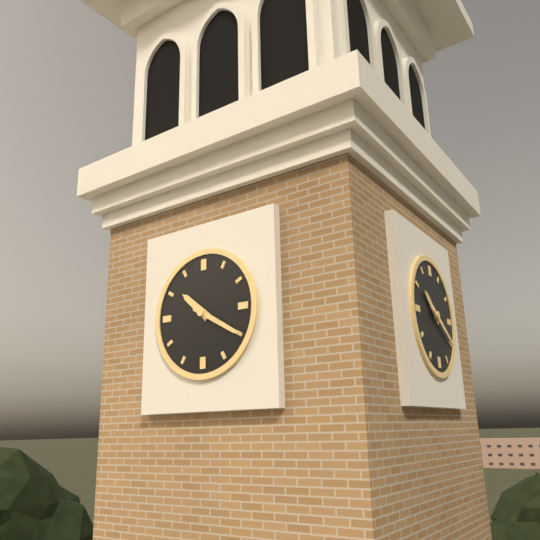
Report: 10:20
